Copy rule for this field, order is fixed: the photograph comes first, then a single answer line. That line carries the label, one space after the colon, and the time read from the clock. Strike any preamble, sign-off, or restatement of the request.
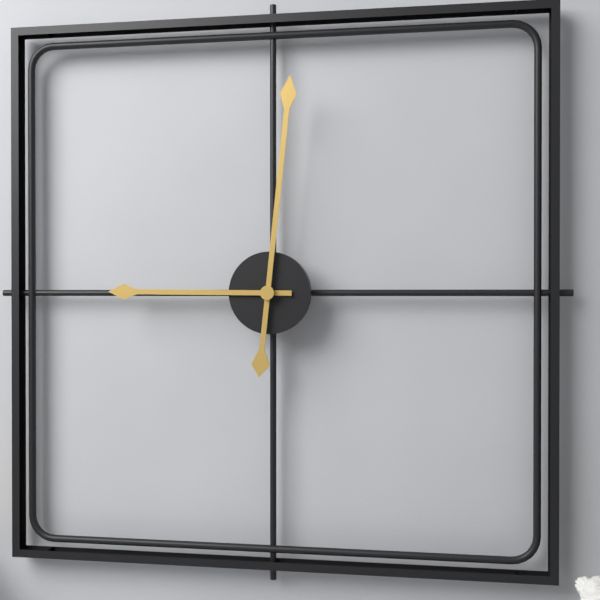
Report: 9:01
